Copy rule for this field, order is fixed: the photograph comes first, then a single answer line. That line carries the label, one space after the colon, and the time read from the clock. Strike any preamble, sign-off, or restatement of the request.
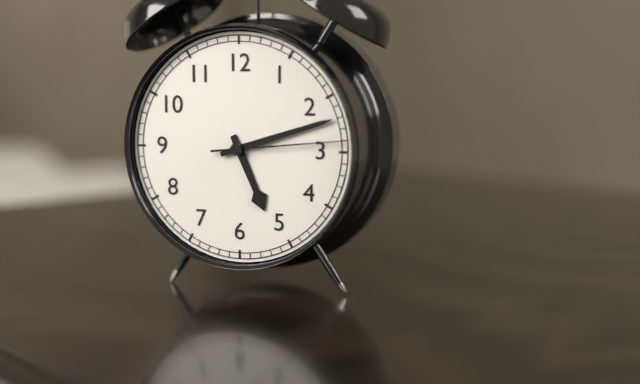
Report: 5:12:14
